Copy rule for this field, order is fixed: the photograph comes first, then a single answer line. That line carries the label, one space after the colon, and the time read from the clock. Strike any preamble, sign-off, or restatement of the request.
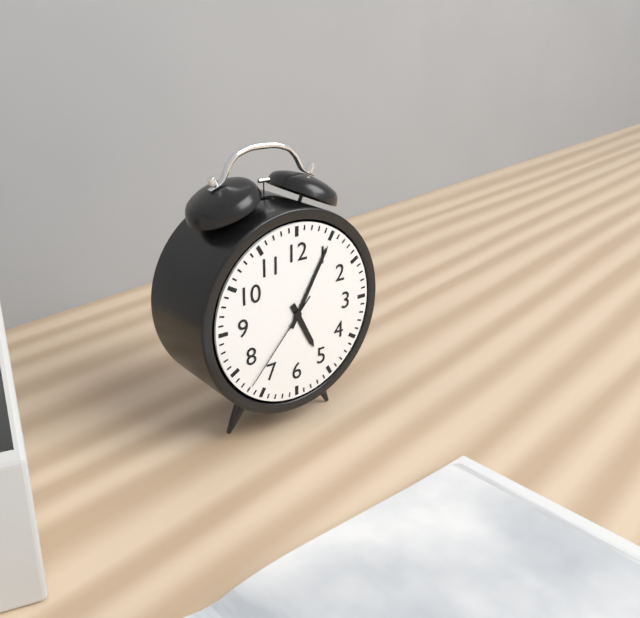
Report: 5:05:37
